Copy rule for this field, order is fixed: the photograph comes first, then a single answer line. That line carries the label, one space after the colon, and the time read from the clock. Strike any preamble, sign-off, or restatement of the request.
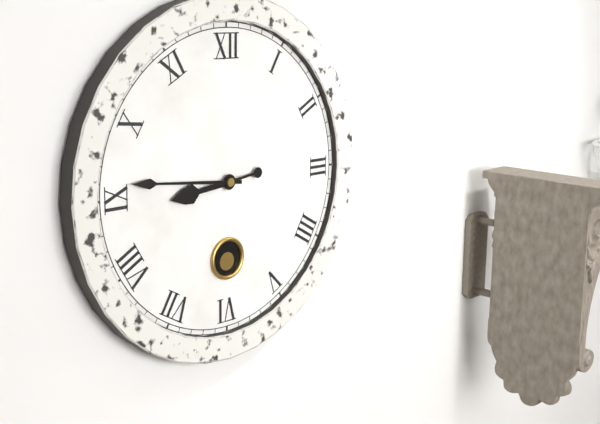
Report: 8:46
